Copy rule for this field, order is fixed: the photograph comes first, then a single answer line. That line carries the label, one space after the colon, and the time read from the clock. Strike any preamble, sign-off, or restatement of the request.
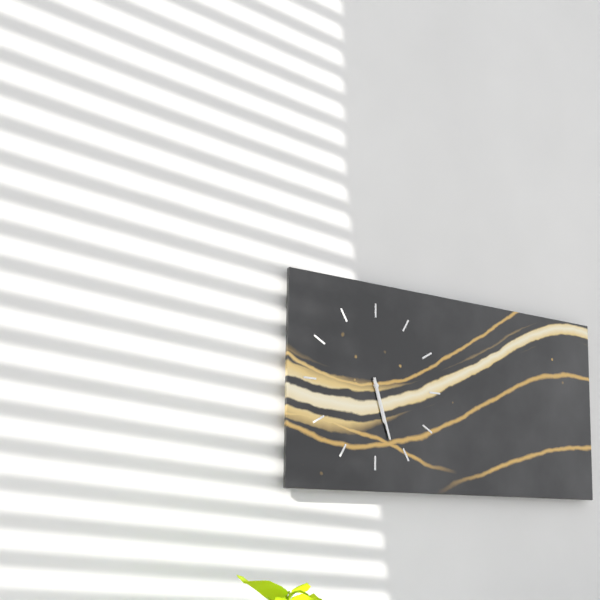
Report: 5:27
